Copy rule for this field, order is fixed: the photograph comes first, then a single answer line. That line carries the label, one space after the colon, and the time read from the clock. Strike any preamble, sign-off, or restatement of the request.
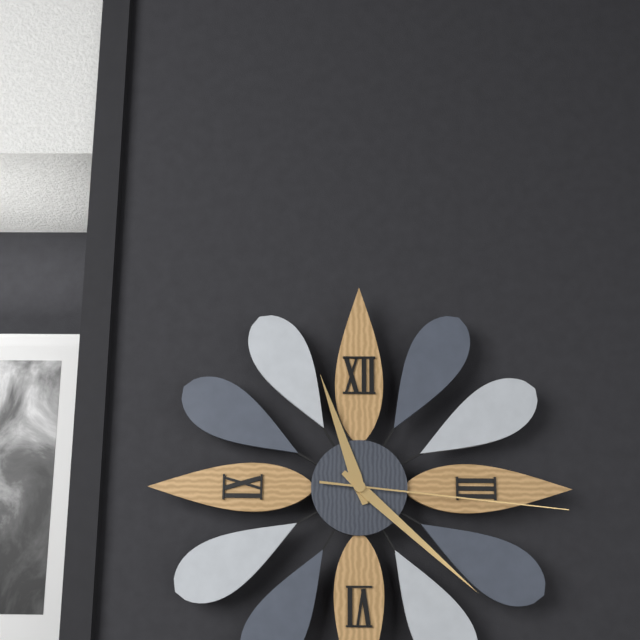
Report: 11:22:16
